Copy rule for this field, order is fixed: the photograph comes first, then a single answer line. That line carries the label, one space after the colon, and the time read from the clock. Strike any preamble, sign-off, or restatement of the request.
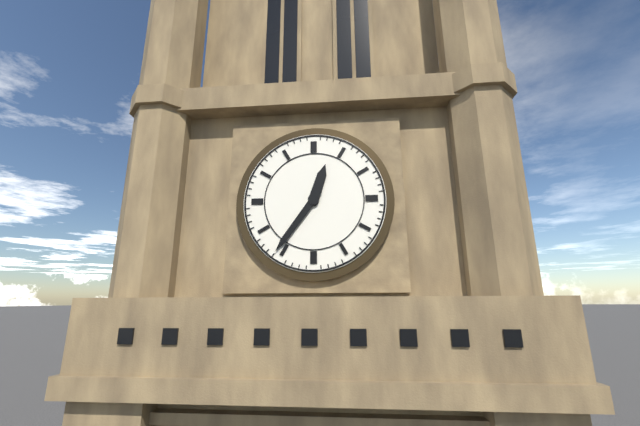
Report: 12:36
